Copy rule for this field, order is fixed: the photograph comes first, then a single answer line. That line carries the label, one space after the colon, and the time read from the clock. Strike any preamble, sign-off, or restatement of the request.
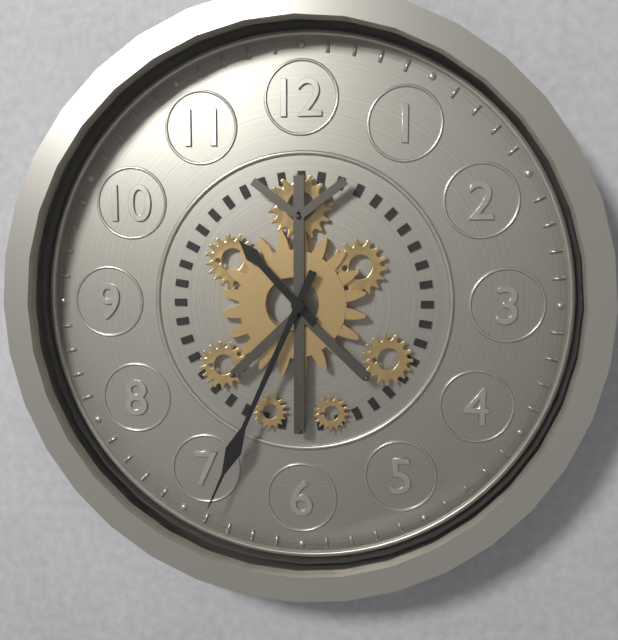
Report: 10:34
